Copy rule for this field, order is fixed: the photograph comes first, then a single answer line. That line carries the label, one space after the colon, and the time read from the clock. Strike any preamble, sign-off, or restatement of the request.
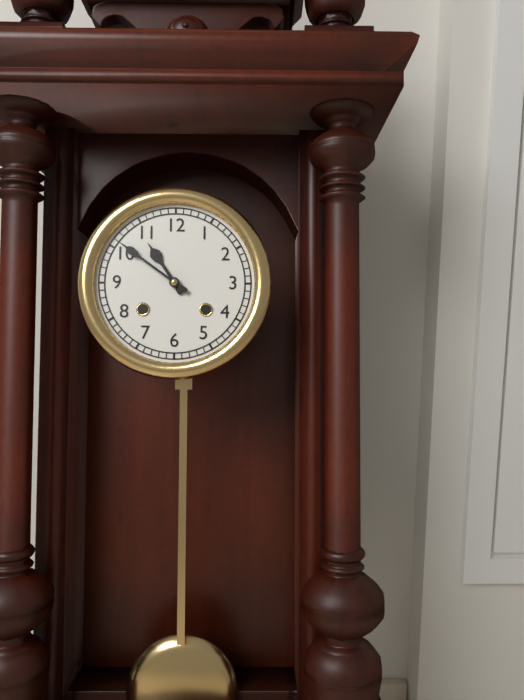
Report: 10:51
